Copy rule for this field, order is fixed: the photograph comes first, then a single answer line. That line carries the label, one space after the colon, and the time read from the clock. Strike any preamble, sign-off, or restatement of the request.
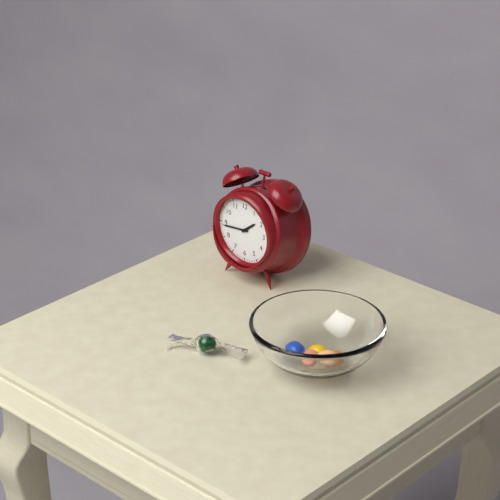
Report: 1:44
